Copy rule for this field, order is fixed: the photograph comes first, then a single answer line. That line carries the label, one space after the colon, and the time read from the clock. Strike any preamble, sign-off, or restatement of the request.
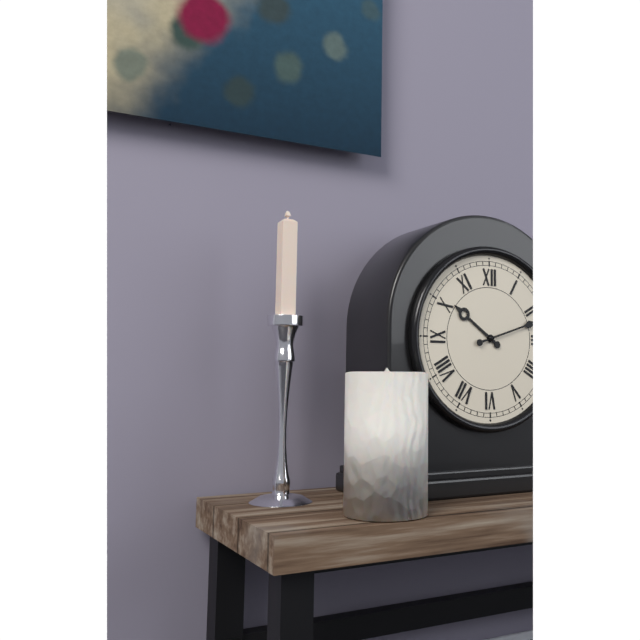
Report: 10:12
